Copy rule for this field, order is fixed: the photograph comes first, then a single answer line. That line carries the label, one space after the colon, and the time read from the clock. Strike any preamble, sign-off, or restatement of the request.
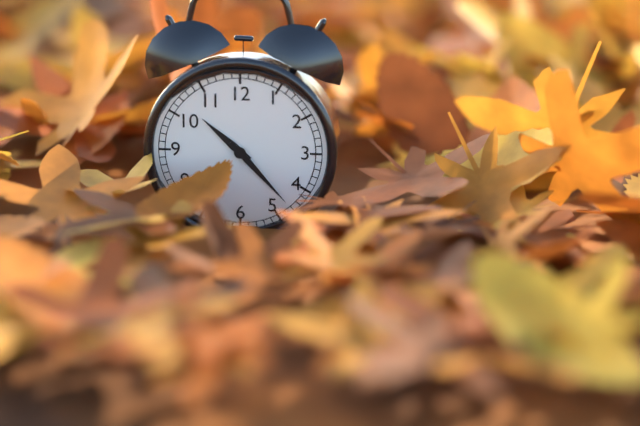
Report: 10:23
